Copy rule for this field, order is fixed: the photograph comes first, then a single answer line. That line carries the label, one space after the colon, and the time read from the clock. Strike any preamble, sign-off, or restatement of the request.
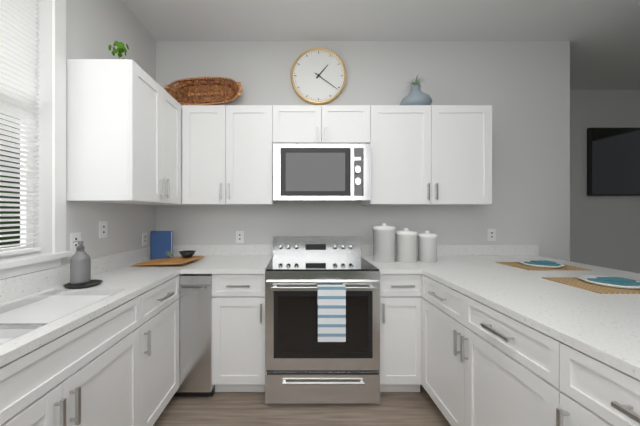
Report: 1:21
